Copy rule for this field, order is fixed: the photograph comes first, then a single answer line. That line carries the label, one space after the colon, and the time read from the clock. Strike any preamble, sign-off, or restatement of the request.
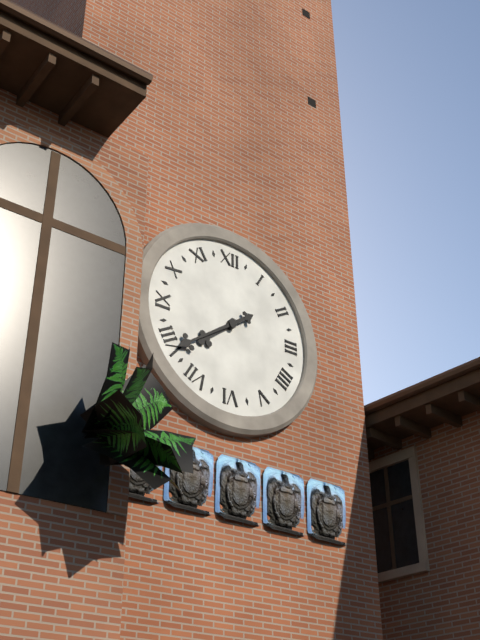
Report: 7:39
